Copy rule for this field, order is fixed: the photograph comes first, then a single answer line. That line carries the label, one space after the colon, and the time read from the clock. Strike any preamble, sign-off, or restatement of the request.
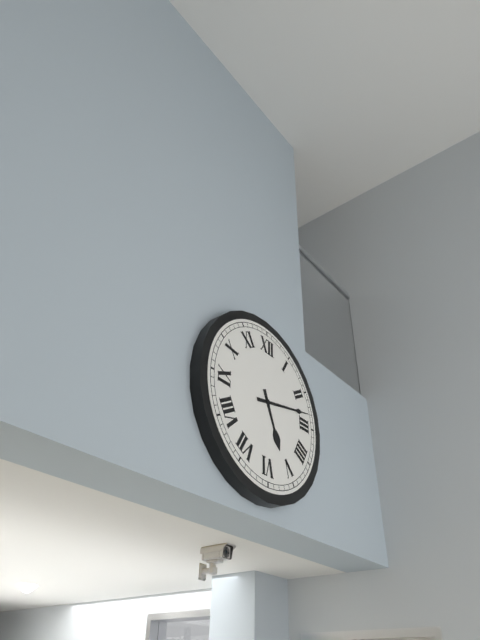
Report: 5:13
